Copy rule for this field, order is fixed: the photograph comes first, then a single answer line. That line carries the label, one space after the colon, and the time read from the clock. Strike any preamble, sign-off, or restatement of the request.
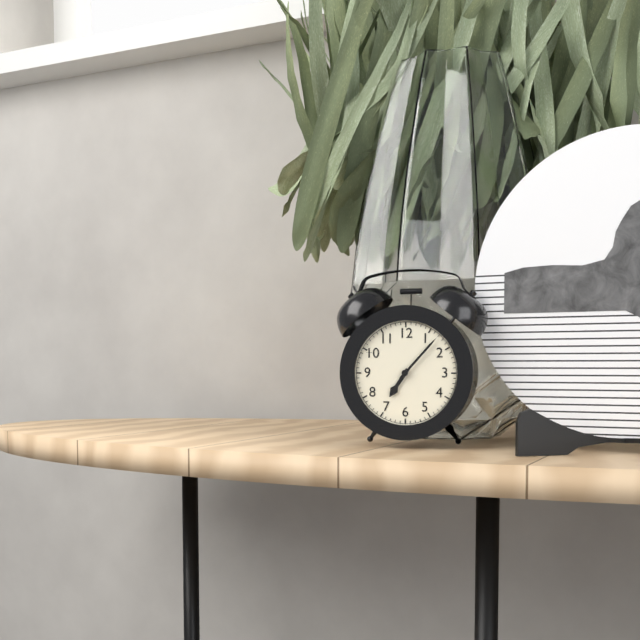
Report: 7:07
